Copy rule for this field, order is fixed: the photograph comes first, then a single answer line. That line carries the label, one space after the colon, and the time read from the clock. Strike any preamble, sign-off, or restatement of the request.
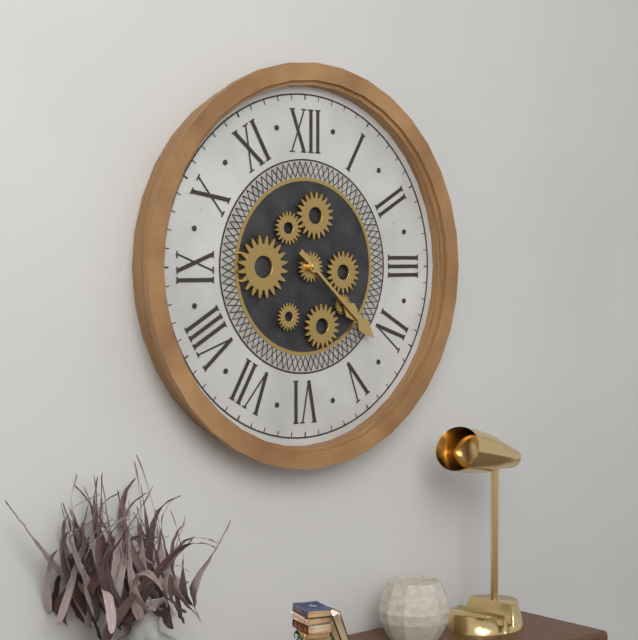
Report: 4:22
